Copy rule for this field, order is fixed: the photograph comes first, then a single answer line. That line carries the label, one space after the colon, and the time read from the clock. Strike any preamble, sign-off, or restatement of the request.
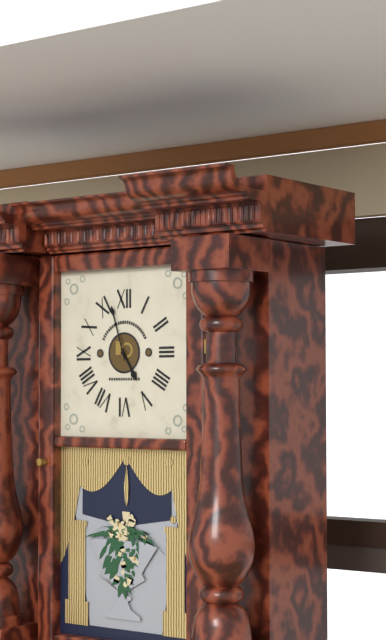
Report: 4:57
